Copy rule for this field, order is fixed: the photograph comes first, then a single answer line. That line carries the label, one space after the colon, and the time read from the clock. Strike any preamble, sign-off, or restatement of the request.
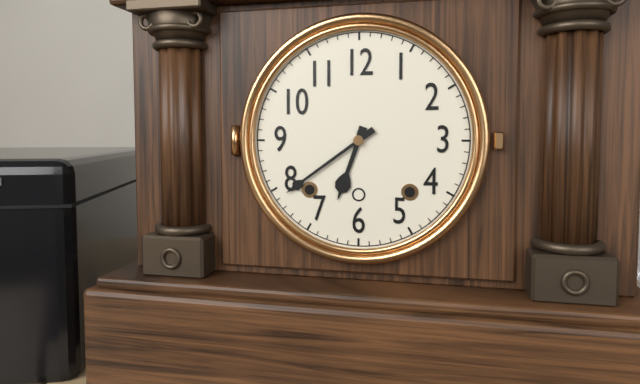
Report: 6:39
